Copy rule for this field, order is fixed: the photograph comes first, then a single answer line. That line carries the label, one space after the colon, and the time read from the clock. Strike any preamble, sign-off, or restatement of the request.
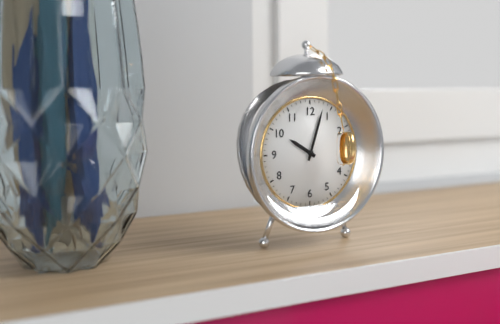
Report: 10:03
